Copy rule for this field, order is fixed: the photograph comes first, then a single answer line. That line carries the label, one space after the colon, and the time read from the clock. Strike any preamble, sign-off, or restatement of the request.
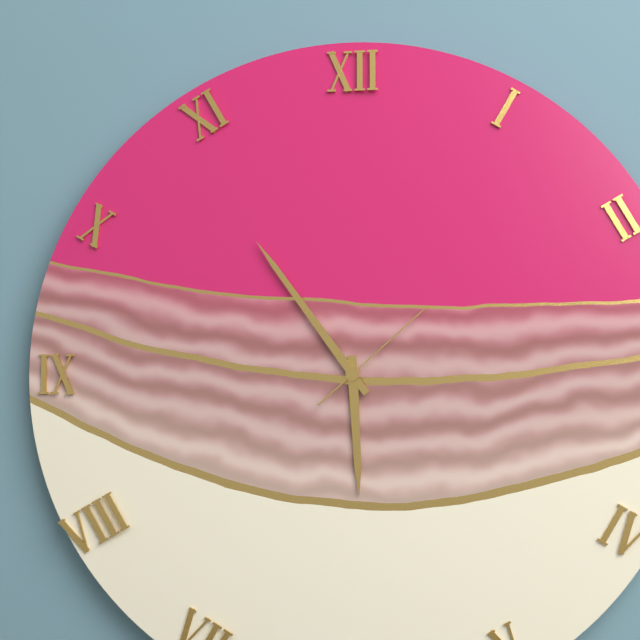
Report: 5:54:08
